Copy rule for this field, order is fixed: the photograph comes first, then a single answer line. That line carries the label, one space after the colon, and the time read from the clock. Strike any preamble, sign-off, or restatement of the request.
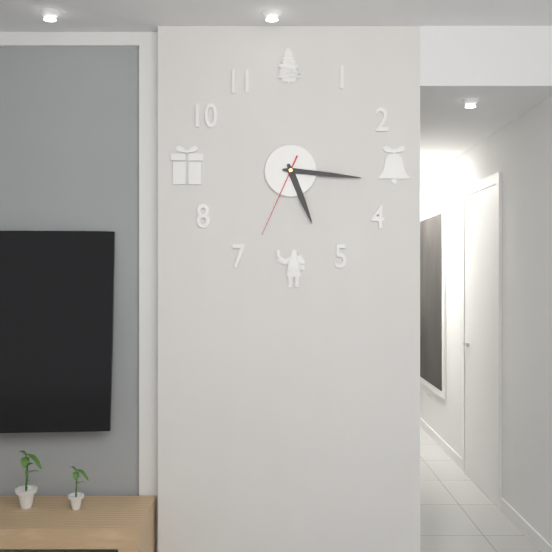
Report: 5:16:34
